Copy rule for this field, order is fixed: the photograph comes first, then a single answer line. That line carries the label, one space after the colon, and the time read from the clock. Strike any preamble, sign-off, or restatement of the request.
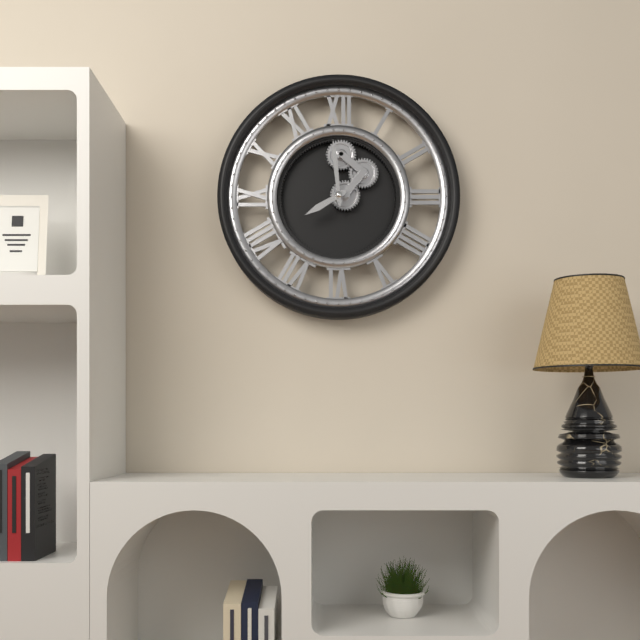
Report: 7:59
